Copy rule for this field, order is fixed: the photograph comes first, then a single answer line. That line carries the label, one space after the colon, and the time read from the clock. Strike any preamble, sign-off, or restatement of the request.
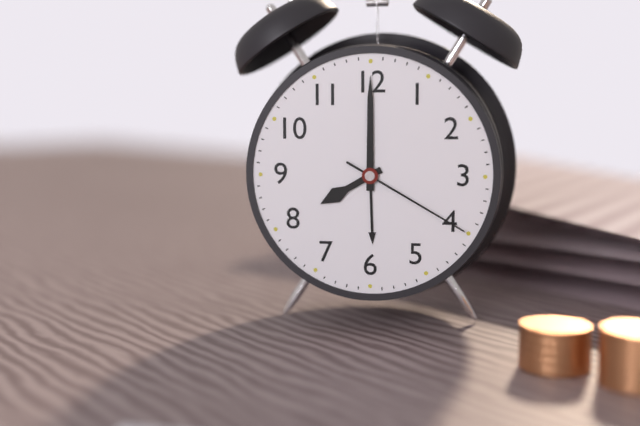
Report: 8:00:20
